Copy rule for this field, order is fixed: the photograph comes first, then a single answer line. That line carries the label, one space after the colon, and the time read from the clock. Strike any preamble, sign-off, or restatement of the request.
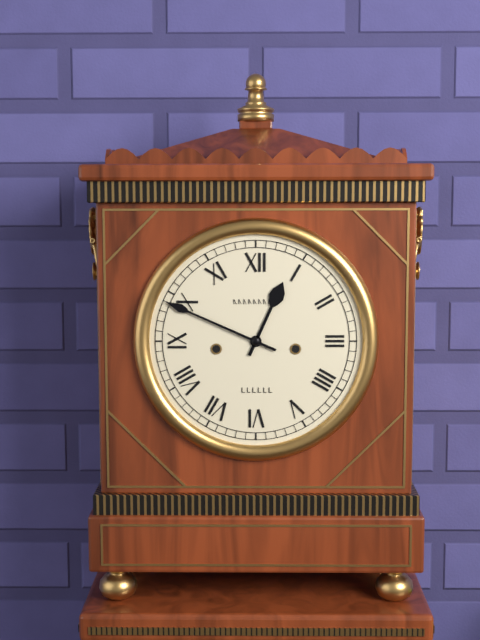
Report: 12:49
